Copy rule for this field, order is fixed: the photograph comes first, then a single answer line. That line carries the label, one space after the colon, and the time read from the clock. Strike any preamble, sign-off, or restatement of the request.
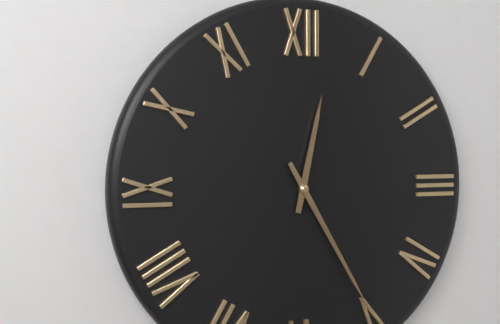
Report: 12:25
